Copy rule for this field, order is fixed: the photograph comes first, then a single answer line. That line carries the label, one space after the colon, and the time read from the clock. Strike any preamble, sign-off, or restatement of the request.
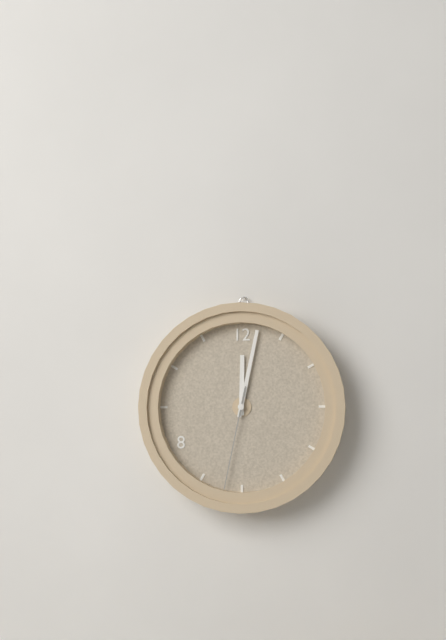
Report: 12:02:32
